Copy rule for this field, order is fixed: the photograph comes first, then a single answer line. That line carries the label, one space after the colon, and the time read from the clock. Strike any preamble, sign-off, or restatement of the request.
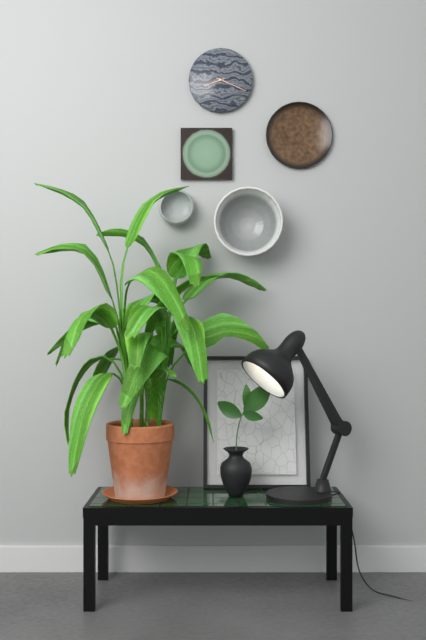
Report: 8:19
